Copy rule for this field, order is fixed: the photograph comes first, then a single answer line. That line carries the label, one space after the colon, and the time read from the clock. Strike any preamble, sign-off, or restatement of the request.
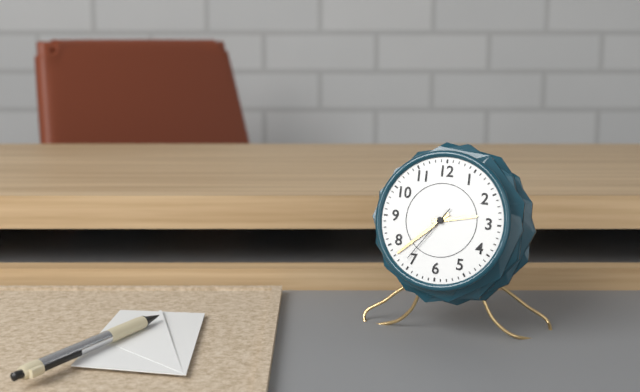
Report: 2:38:36
